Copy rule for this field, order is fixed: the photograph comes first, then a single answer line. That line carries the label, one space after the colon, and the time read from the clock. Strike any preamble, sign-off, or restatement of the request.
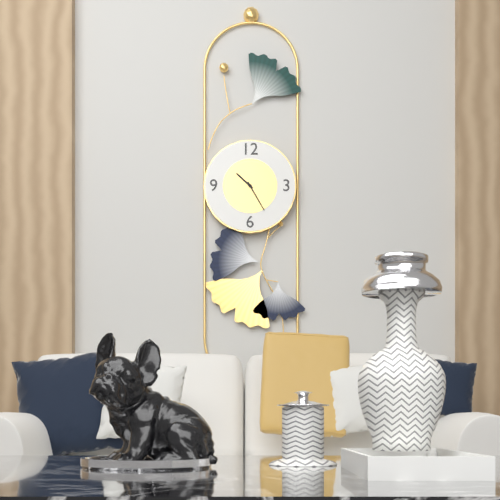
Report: 10:25
